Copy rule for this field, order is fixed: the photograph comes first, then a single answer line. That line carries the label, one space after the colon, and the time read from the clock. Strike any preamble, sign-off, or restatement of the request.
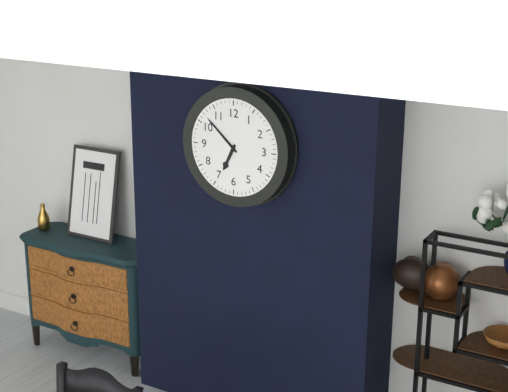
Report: 6:52
